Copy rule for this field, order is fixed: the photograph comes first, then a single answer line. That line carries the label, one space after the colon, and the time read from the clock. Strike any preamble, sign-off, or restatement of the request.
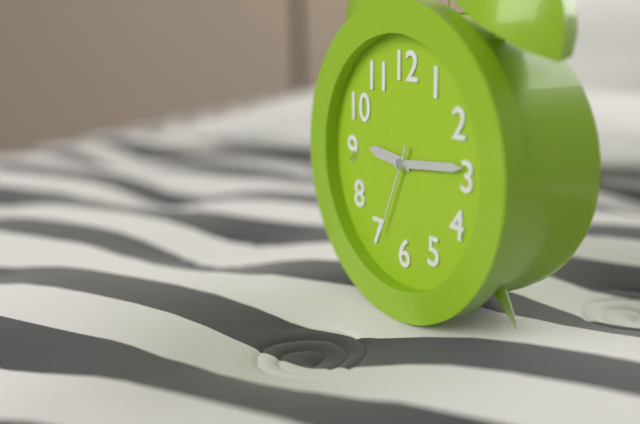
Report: 9:14:34
